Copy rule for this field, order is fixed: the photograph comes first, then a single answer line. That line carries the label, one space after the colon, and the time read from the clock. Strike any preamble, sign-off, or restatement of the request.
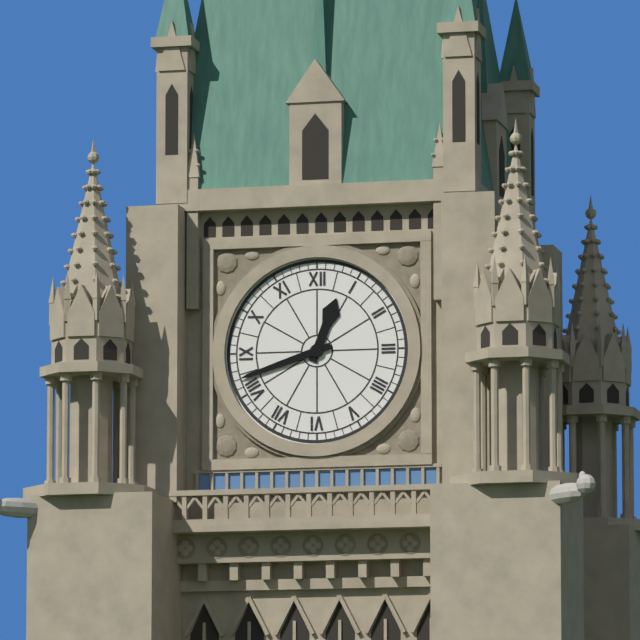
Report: 12:42
